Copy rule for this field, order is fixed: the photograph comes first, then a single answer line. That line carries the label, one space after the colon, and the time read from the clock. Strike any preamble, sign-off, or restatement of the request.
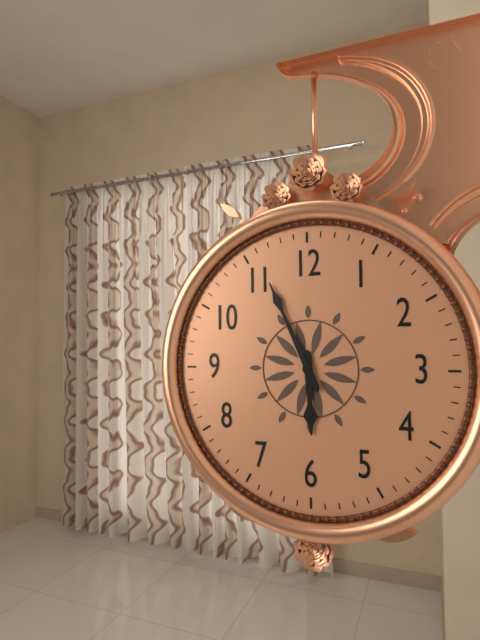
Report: 5:56
